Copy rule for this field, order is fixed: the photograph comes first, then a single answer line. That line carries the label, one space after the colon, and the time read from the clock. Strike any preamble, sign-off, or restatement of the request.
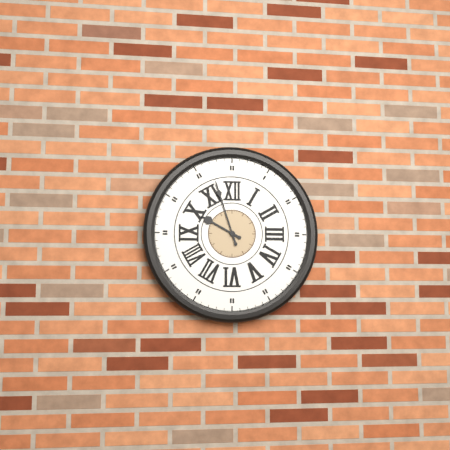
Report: 9:57
